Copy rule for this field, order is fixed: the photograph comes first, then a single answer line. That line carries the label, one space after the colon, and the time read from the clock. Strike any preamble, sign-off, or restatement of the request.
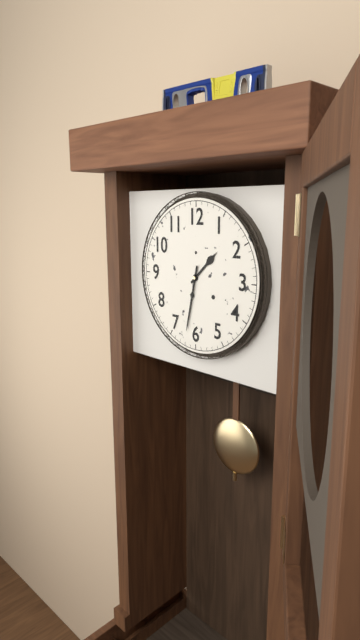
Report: 1:32
